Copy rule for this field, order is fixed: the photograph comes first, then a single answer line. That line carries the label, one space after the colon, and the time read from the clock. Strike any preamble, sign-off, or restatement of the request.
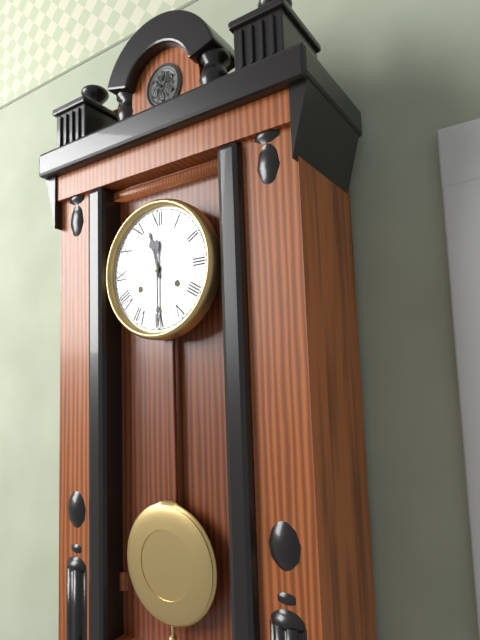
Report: 11:30
